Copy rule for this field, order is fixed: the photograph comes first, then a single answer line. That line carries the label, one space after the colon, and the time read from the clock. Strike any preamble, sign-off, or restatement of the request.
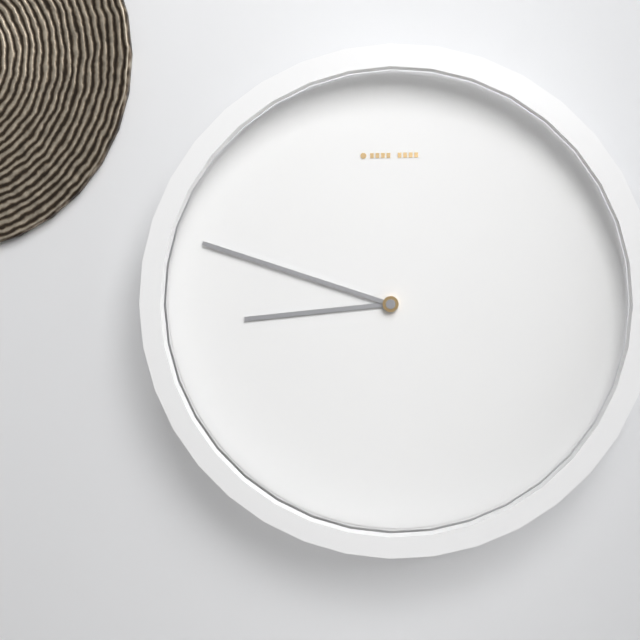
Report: 8:48
